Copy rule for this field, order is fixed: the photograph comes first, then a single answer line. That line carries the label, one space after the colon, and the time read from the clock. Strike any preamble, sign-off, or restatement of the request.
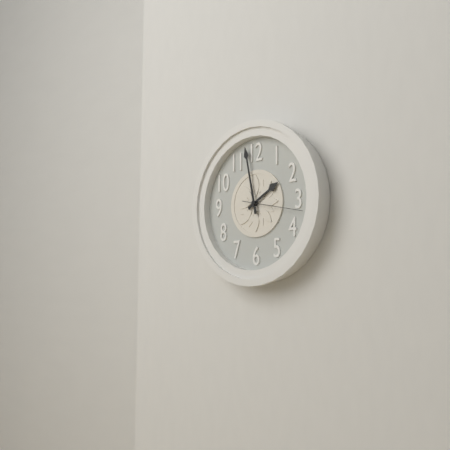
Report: 1:58:17
